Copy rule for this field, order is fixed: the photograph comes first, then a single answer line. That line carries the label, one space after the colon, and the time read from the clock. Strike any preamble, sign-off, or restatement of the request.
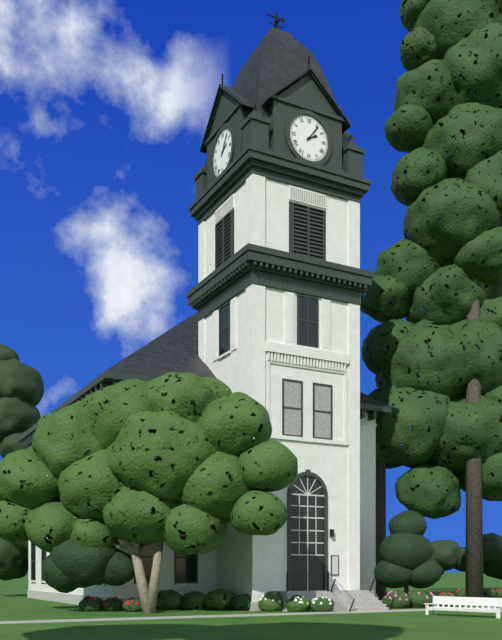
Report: 2:06
